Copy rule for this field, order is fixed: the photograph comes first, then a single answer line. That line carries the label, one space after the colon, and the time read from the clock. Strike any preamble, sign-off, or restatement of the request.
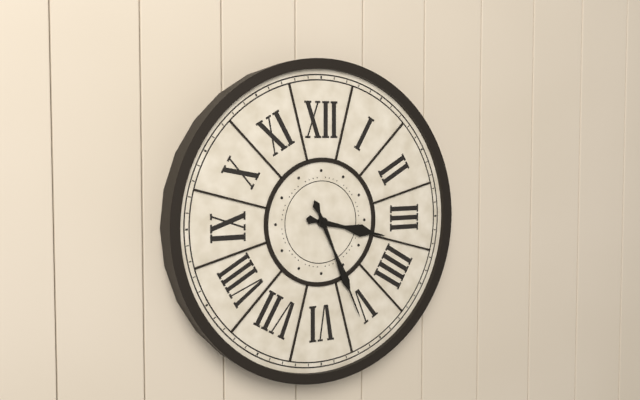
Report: 3:26
